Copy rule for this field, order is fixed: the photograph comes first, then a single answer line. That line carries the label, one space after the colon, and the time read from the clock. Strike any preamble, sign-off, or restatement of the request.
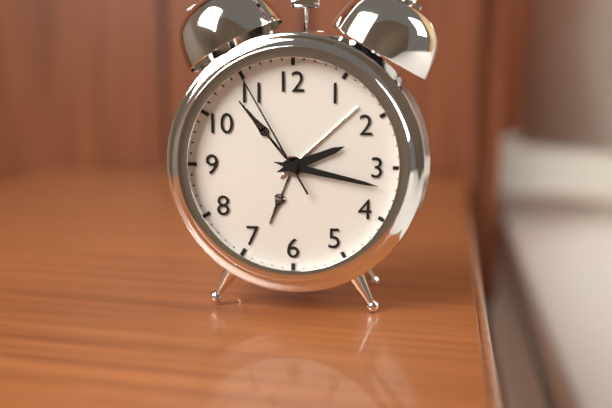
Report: 2:17:55
